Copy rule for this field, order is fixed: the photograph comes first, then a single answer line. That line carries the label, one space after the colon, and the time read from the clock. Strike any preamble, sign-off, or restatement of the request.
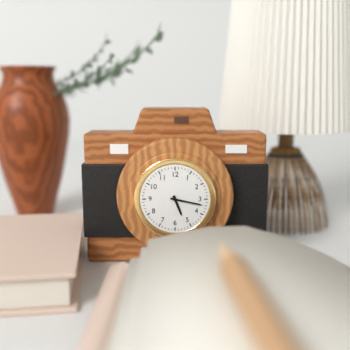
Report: 5:17
